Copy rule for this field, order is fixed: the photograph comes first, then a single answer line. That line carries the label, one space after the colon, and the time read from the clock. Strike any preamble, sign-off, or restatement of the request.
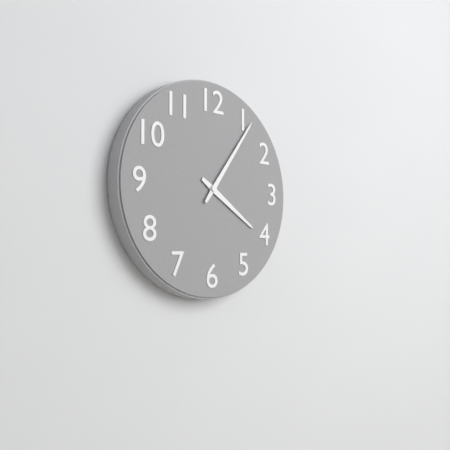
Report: 4:06
